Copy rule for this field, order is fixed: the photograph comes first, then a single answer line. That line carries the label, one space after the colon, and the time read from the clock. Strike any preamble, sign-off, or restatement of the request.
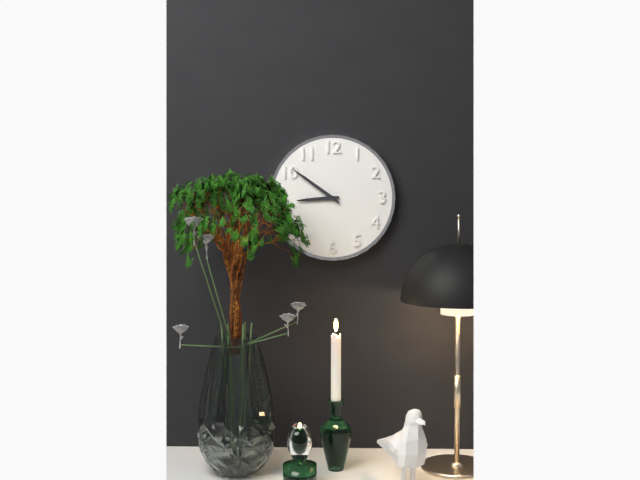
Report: 8:51
